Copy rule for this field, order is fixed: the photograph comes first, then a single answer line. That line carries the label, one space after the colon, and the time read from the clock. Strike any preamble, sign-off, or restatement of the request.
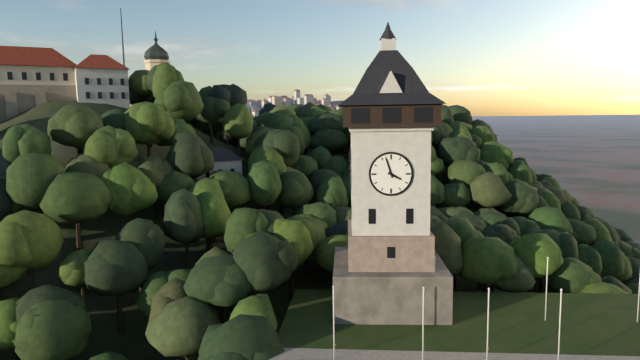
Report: 3:57
